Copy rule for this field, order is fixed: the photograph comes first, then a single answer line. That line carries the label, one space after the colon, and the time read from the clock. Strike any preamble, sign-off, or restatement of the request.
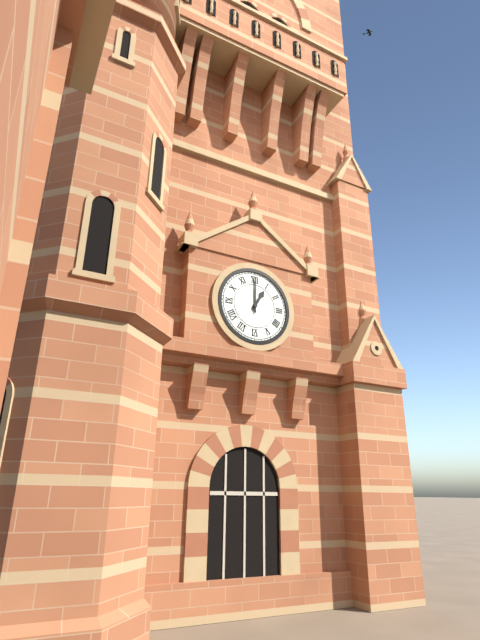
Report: 1:00
